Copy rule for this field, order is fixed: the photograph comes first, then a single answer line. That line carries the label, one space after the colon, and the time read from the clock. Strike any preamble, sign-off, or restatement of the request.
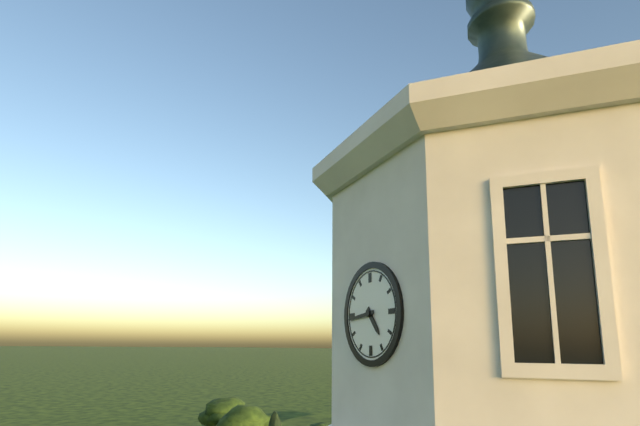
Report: 4:44
